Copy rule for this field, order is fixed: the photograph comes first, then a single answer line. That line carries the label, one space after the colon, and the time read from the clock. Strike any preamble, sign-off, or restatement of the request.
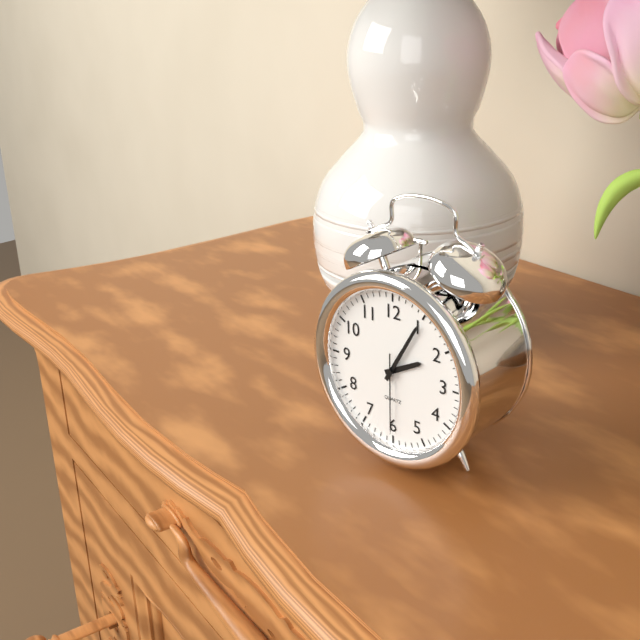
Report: 2:05:30
